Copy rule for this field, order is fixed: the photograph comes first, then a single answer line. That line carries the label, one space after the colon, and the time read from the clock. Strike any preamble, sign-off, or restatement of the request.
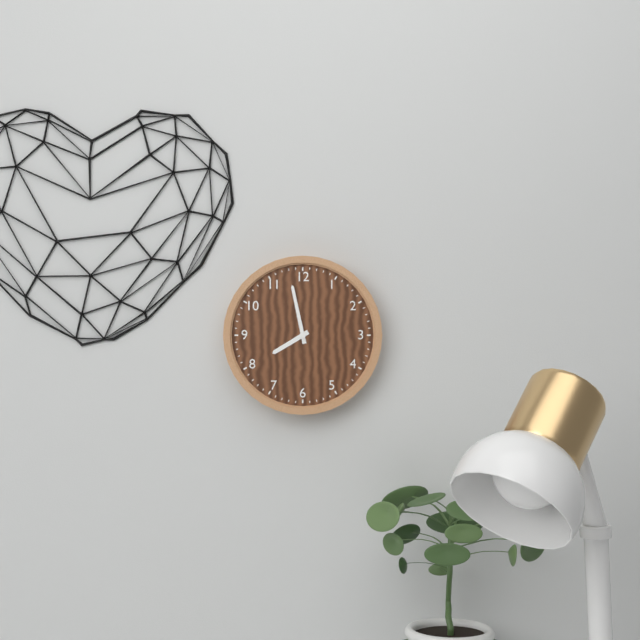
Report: 7:58
